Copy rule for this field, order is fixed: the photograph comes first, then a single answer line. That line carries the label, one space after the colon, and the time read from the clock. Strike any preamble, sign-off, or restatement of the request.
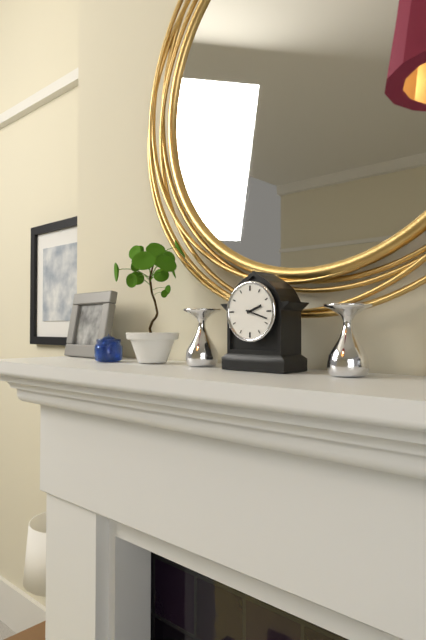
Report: 2:18
